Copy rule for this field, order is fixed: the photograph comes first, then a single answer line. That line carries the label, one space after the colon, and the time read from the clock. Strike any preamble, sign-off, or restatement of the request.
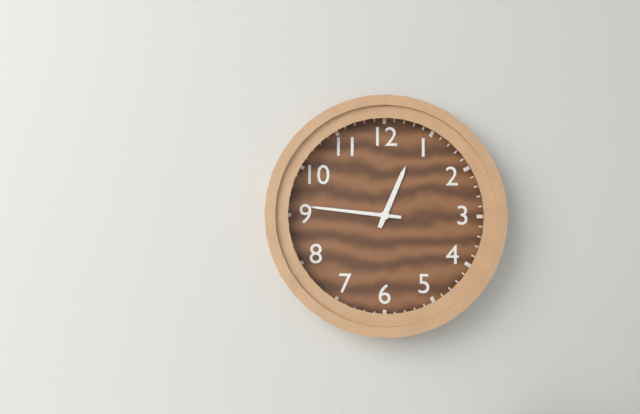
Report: 12:46
